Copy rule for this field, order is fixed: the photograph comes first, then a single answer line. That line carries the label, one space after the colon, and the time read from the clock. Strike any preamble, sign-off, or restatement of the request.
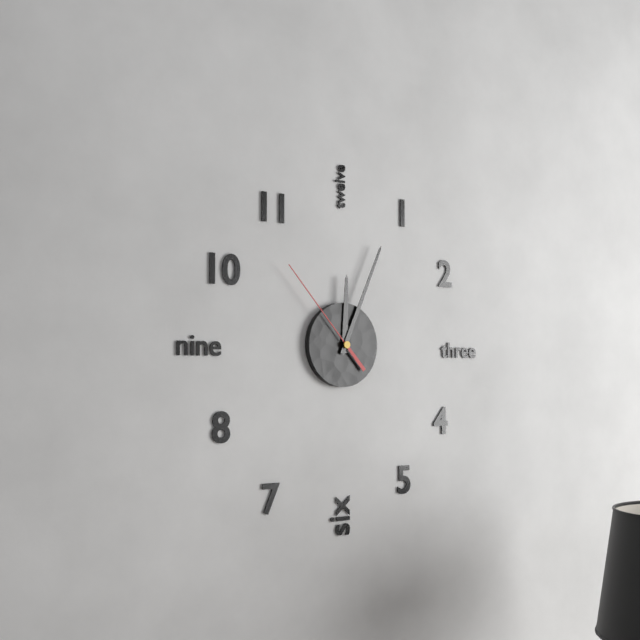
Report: 12:04:53
